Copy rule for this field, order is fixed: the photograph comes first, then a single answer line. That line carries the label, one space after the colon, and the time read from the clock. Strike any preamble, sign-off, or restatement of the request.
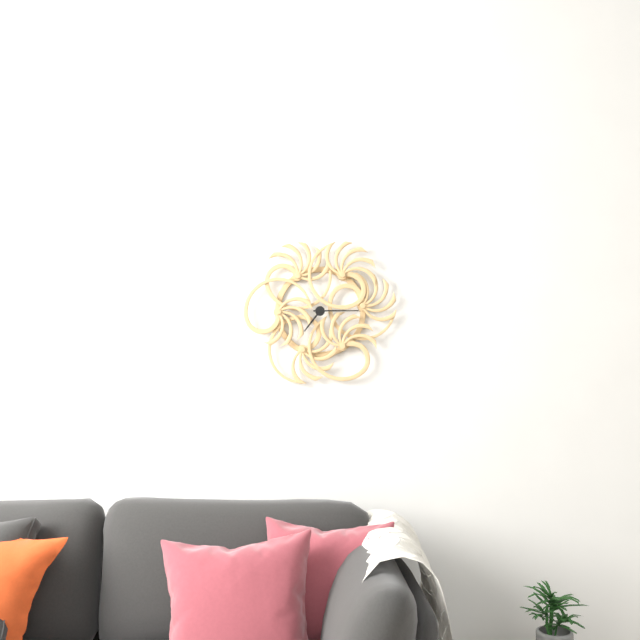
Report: 7:15
